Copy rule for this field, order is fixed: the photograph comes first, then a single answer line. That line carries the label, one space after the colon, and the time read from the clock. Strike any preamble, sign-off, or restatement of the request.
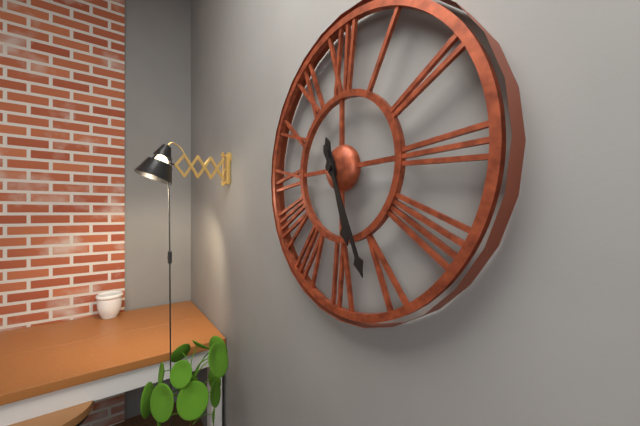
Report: 5:26
